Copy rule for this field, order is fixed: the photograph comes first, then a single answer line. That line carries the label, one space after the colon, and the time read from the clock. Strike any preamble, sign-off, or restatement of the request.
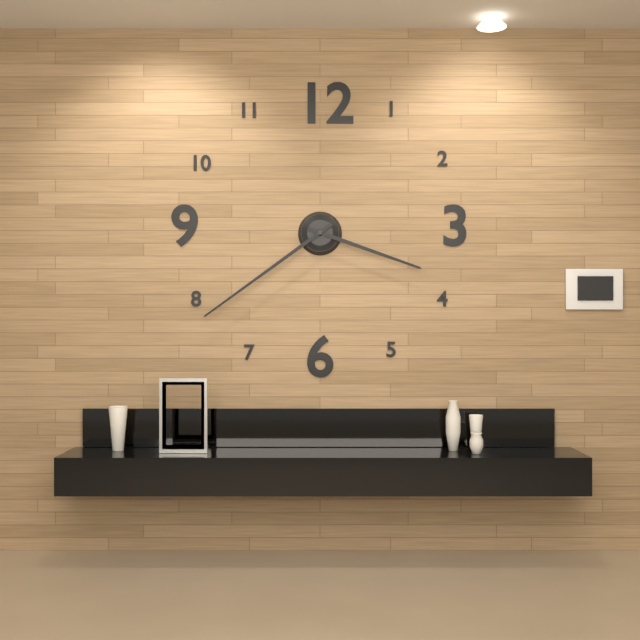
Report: 3:39
